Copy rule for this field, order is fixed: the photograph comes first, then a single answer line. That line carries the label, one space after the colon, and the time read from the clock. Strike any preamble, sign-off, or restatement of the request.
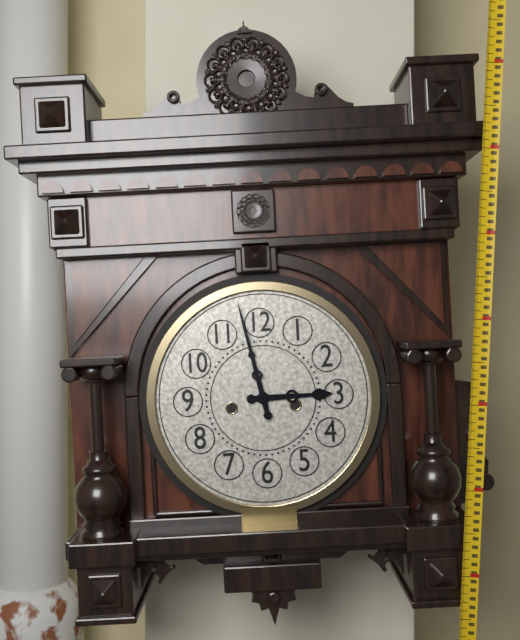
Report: 2:58
